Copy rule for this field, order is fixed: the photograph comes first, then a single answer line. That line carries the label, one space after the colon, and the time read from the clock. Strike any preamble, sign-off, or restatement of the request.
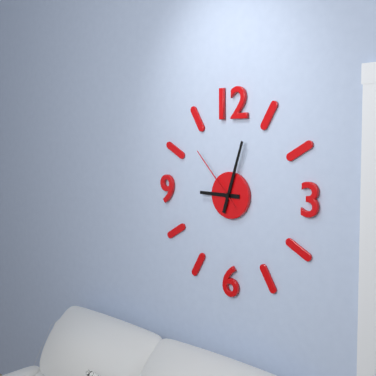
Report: 9:03:53
